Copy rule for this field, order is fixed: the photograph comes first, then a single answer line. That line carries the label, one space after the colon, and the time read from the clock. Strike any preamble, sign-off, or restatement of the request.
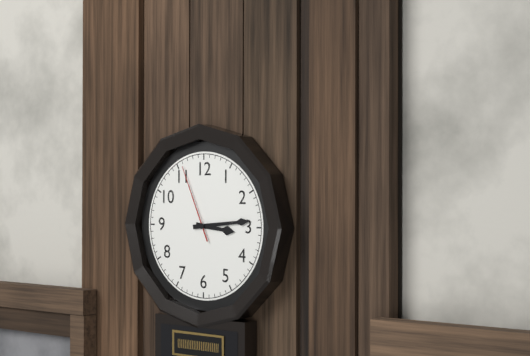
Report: 3:14:56
